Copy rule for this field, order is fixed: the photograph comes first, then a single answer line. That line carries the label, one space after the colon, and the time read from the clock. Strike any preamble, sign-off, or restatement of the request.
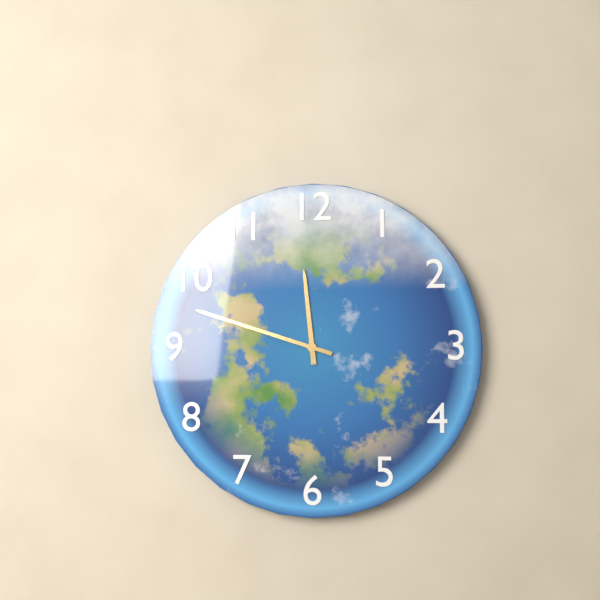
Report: 11:48
